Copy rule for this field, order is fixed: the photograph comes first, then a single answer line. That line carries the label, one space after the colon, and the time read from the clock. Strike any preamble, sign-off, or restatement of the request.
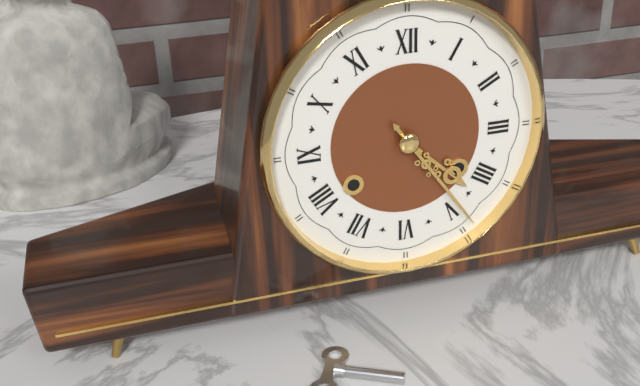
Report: 4:24
